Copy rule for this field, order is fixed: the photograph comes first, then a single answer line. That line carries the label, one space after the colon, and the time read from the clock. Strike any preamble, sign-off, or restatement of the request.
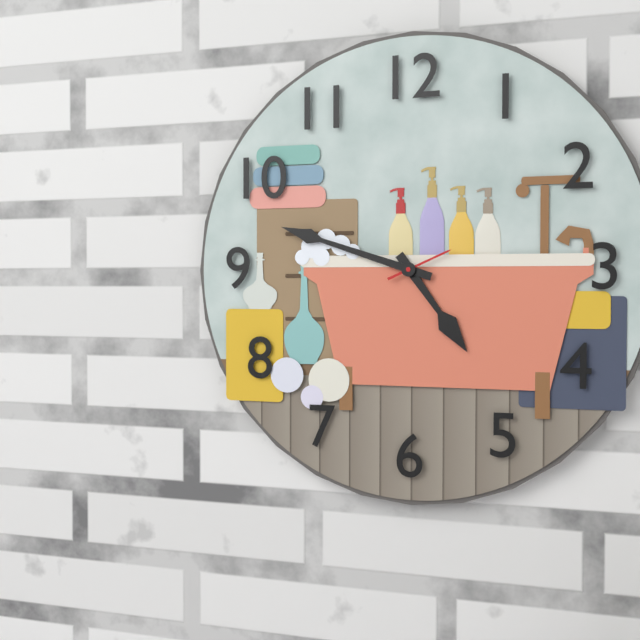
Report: 4:48:11
